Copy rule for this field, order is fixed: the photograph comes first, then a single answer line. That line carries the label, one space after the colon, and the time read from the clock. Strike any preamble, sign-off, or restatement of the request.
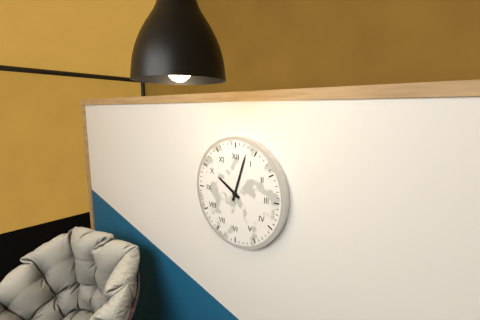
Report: 10:03
